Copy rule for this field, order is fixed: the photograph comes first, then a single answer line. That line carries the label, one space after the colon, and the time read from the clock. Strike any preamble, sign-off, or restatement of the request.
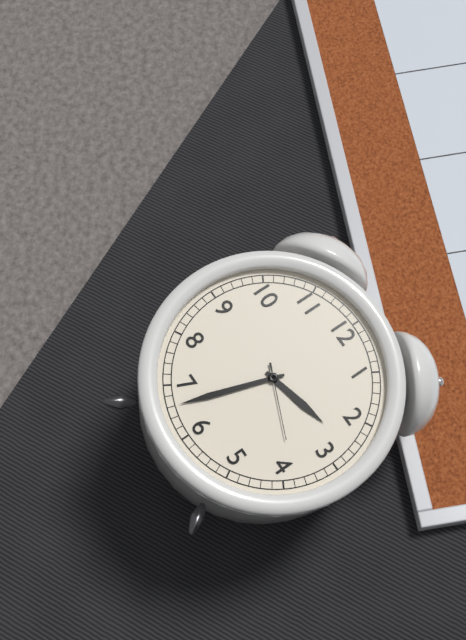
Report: 2:33:19
